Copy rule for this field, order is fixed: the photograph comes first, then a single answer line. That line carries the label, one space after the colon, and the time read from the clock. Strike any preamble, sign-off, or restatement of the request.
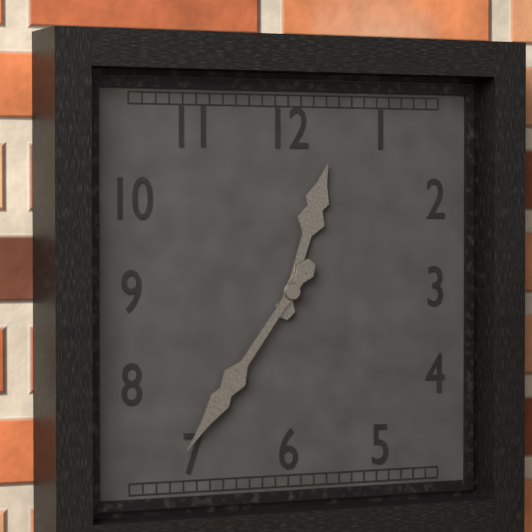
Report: 12:36
